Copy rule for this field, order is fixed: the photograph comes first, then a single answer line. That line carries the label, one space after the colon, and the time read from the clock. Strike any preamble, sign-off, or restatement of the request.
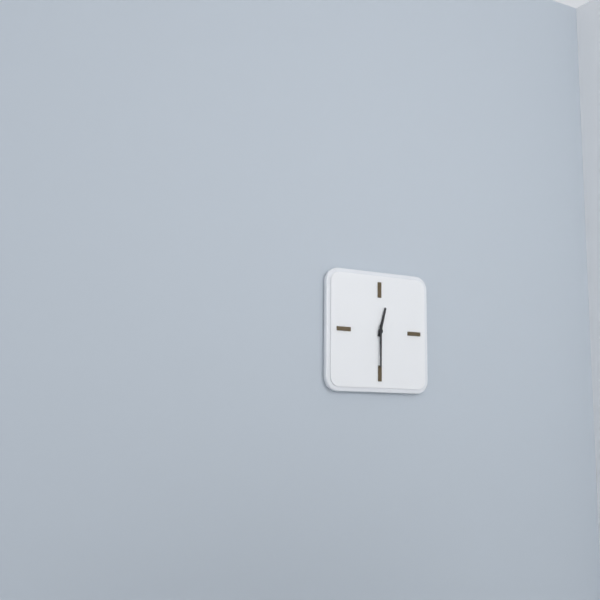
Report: 12:30
